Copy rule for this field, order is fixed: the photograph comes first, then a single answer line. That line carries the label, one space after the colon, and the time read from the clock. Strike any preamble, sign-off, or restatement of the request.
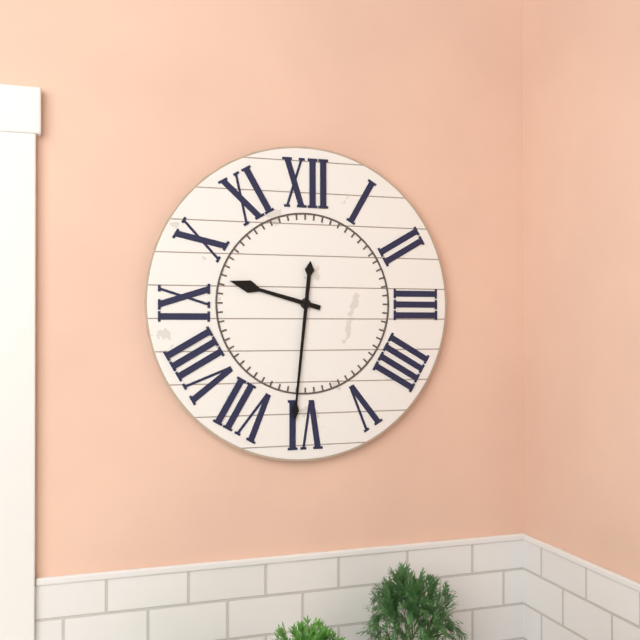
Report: 9:31
